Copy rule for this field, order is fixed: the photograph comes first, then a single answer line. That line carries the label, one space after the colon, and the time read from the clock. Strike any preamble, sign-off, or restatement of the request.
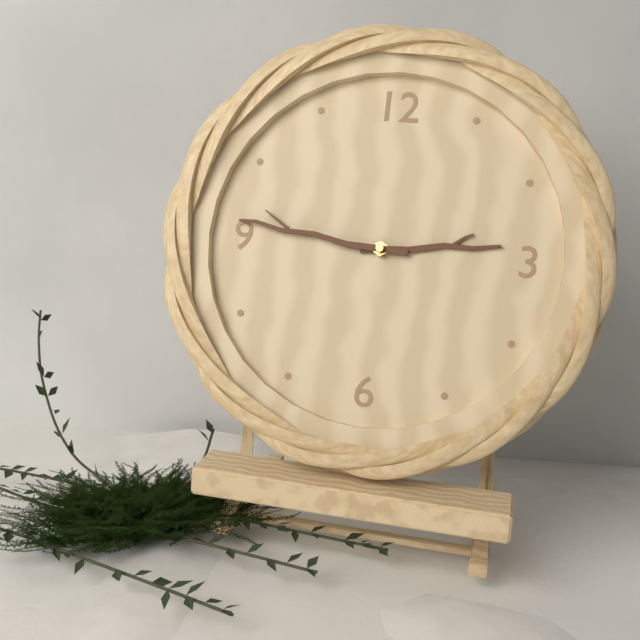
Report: 2:46
